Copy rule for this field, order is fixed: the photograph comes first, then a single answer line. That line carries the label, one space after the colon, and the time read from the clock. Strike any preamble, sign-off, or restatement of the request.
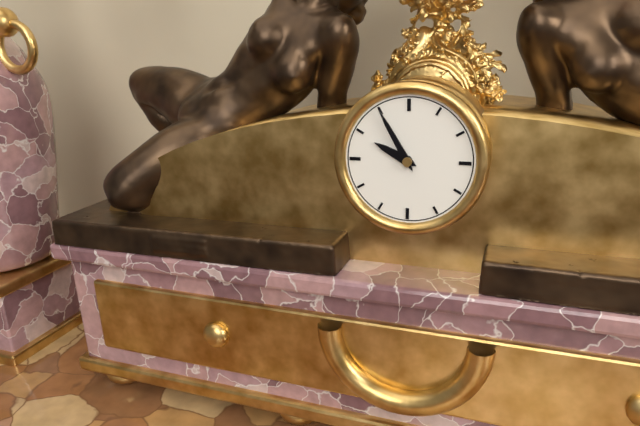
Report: 9:55
